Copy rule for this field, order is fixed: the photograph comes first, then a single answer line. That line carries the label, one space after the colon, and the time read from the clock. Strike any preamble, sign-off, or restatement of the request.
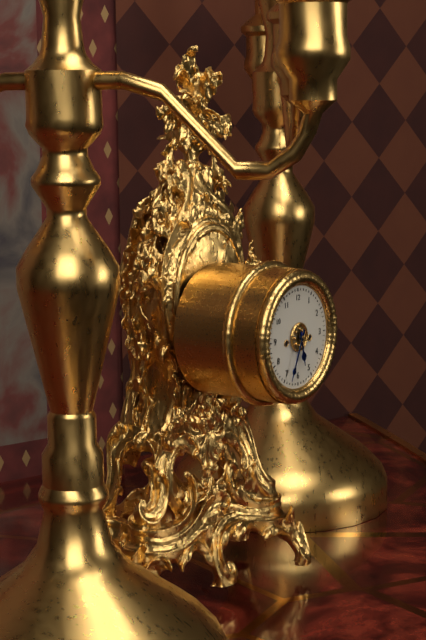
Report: 5:34
